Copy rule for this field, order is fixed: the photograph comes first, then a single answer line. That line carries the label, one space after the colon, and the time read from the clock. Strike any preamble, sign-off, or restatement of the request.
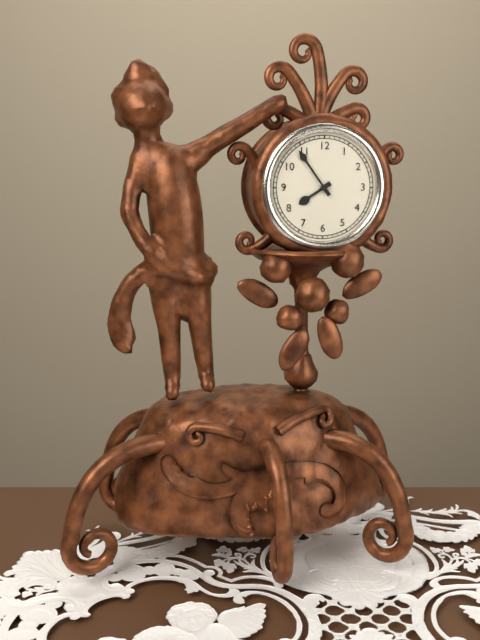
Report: 7:54
